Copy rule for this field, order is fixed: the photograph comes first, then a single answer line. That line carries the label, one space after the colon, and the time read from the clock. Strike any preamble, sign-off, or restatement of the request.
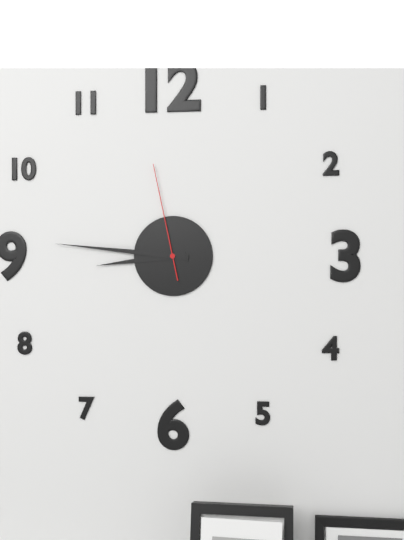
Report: 8:46:58
